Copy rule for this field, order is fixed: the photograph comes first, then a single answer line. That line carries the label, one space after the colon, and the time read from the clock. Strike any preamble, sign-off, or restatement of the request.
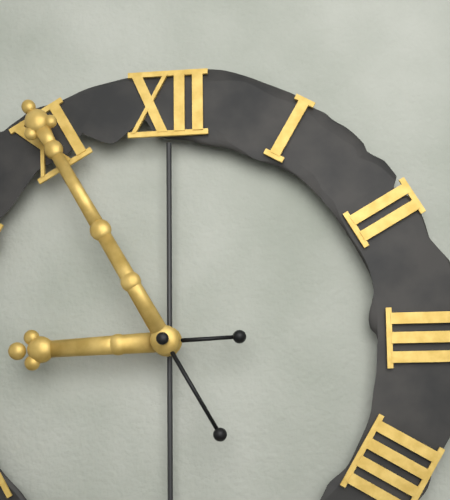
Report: 8:55
